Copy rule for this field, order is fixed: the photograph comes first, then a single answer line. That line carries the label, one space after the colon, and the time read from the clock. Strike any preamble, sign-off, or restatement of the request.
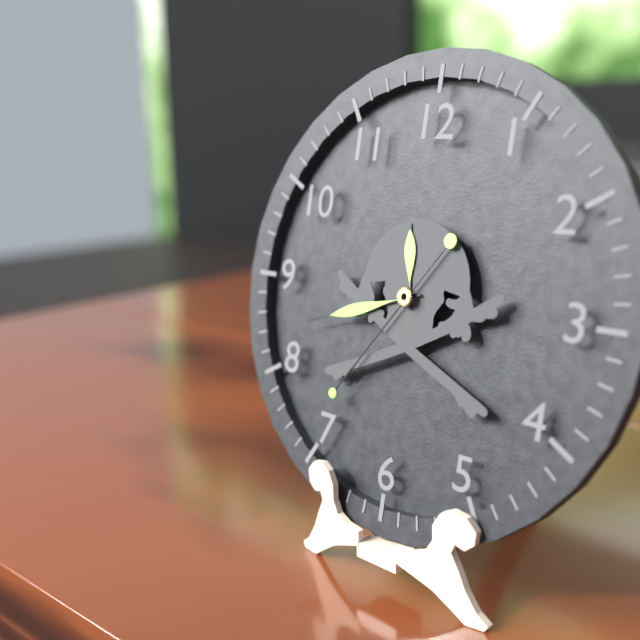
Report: 11:42:36
